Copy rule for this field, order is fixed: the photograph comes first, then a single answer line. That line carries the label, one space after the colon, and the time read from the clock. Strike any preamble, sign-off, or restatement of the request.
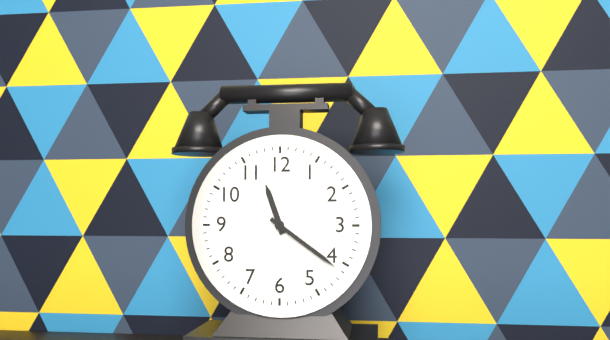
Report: 11:21
